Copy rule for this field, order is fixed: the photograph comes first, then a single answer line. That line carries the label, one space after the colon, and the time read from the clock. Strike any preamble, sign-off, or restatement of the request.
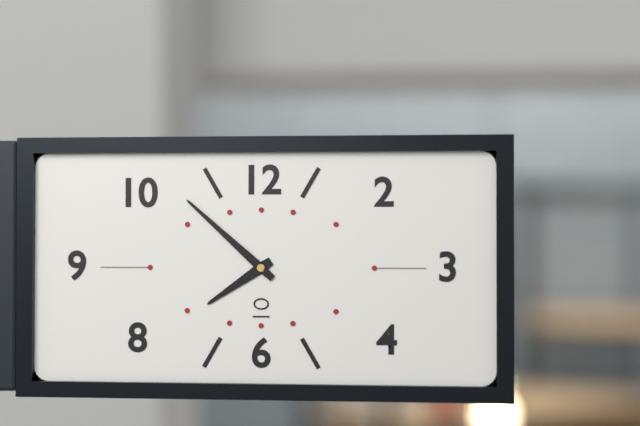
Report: 7:52
